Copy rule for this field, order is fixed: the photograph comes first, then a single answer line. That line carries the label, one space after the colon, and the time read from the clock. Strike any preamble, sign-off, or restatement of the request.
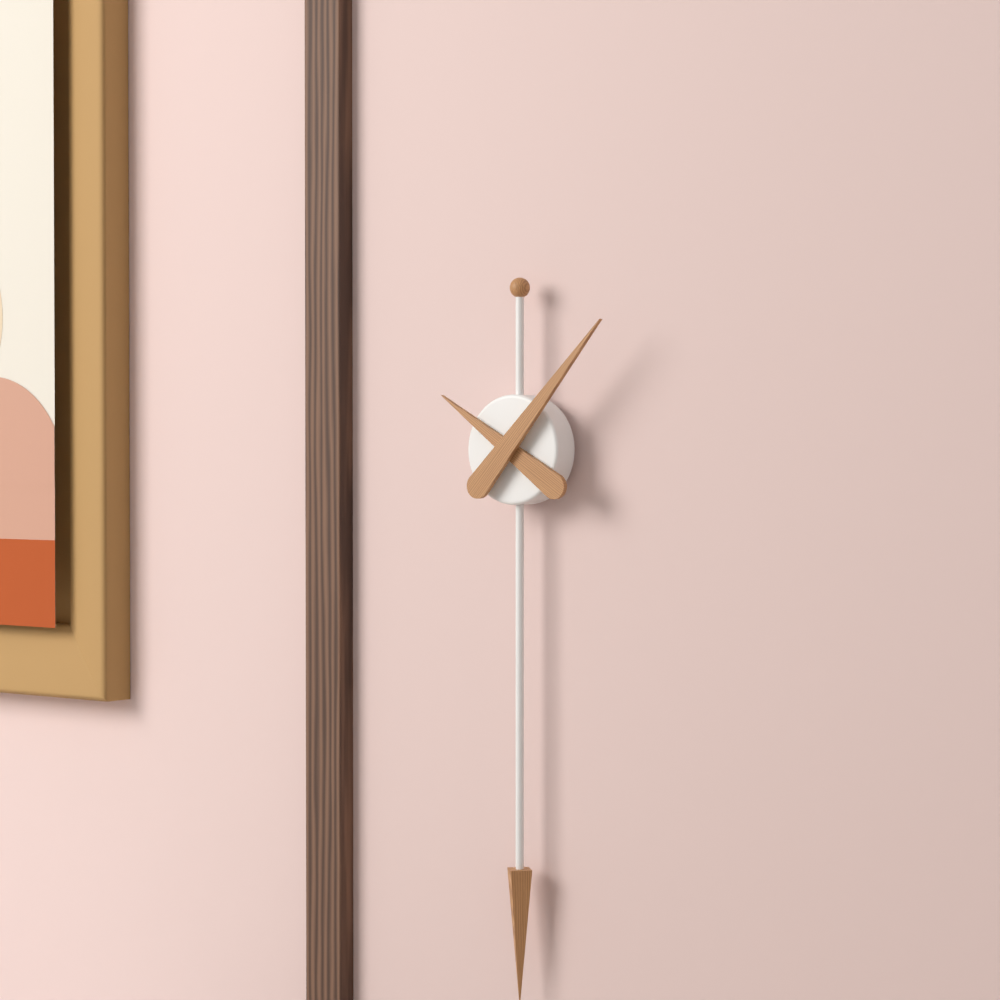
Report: 10:07
